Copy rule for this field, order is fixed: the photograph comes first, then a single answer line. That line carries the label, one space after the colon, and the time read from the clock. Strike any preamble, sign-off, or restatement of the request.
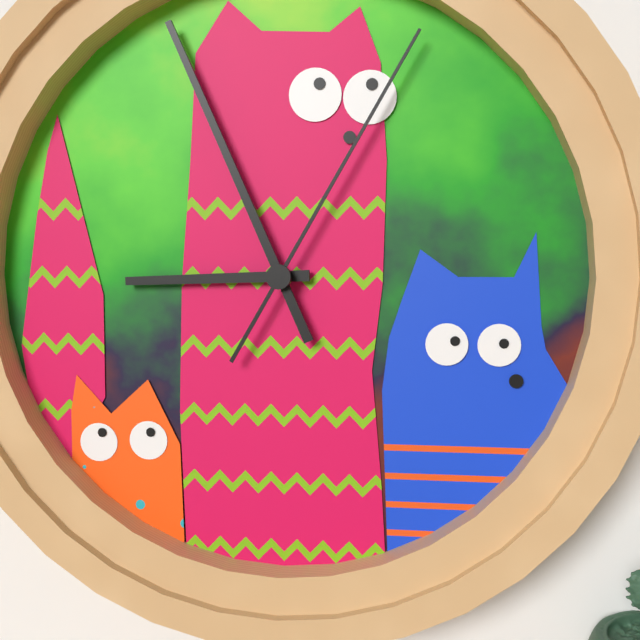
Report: 8:56:05
